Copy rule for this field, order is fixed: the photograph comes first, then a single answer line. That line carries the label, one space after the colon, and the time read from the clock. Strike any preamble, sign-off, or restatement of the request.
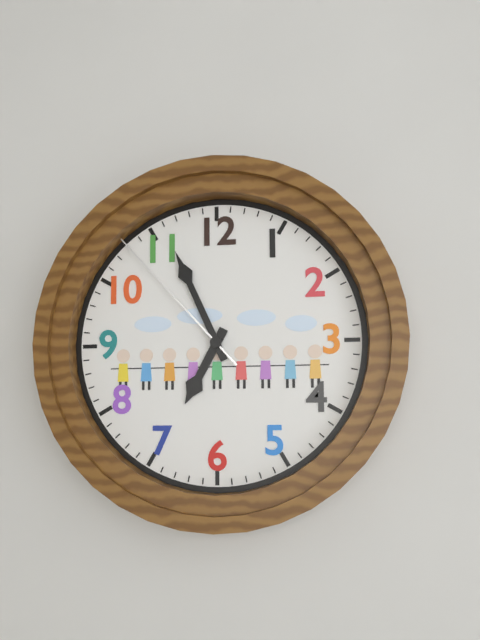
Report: 6:56:53
